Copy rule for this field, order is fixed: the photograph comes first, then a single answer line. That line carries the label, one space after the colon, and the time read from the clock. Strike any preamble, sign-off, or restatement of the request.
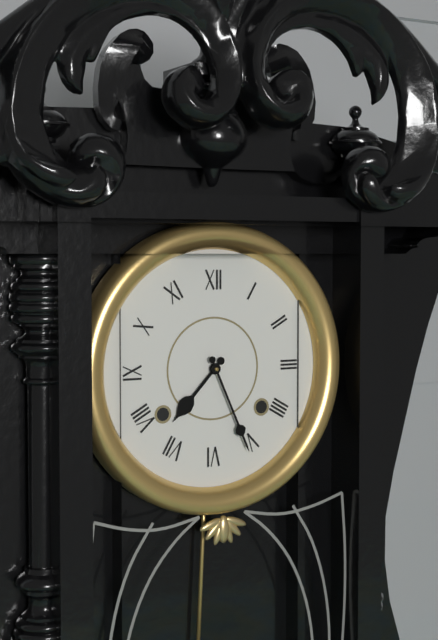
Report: 7:26
